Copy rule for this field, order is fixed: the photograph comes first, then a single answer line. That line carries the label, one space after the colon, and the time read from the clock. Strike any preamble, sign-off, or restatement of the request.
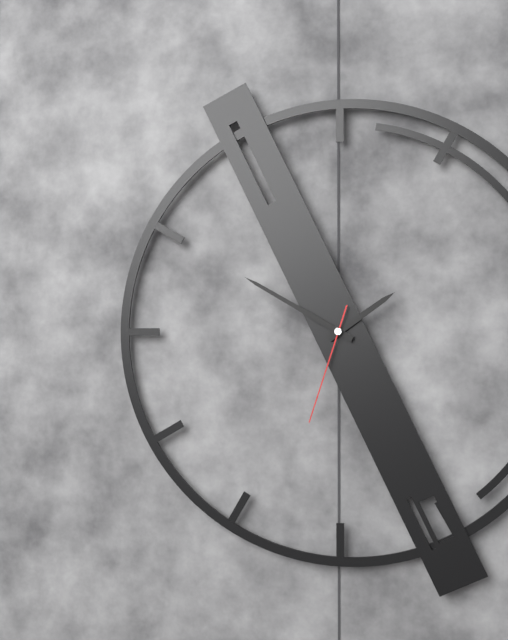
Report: 1:50:33
